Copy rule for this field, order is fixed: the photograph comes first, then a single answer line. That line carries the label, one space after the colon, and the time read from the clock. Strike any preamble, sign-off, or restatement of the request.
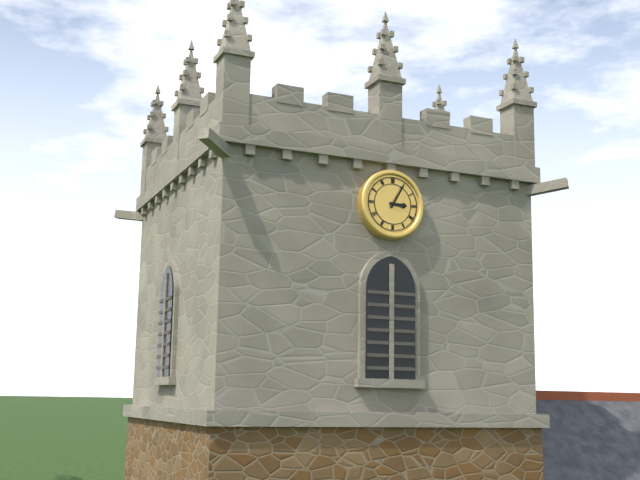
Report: 3:05
